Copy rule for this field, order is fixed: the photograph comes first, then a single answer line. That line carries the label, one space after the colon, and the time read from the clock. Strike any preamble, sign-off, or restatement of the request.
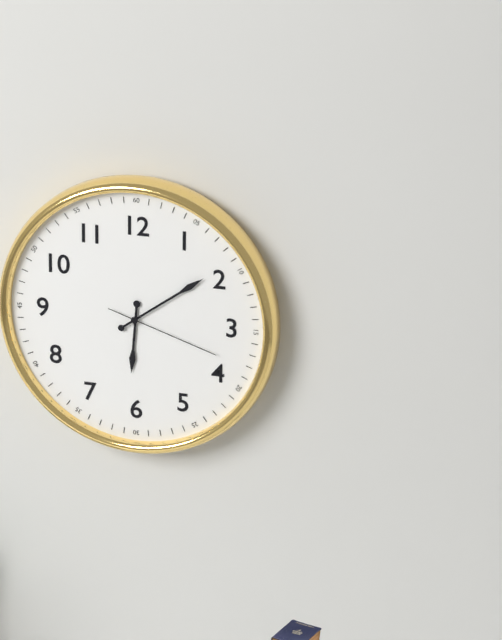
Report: 6:09:18
